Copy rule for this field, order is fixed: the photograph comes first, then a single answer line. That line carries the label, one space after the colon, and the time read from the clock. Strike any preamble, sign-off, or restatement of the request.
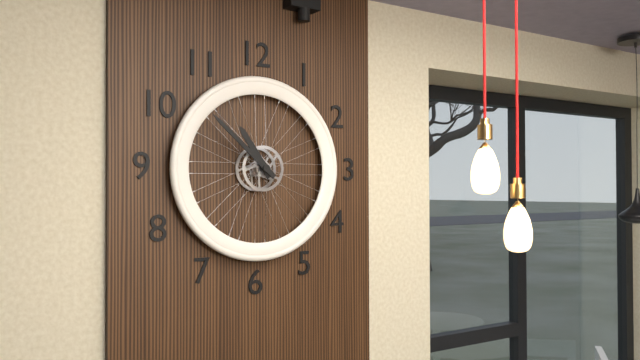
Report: 10:52
